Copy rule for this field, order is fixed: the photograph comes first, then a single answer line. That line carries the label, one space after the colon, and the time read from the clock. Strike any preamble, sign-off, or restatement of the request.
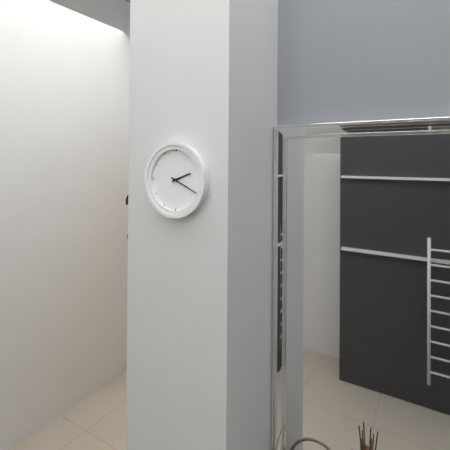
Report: 2:19
